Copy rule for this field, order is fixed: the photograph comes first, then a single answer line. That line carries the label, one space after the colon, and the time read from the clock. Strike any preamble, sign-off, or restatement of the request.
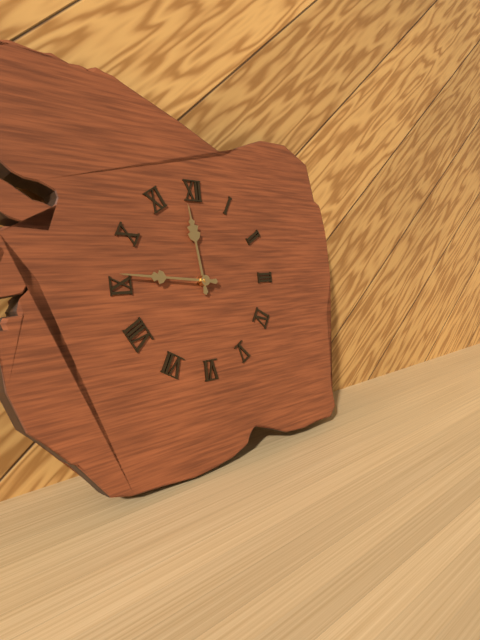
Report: 11:46
